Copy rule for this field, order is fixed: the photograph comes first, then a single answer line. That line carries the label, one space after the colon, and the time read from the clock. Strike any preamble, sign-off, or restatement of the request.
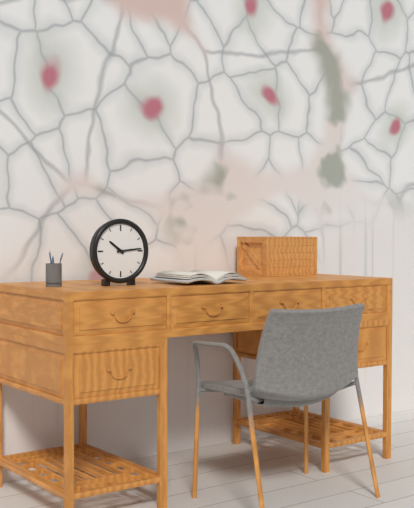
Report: 10:14
